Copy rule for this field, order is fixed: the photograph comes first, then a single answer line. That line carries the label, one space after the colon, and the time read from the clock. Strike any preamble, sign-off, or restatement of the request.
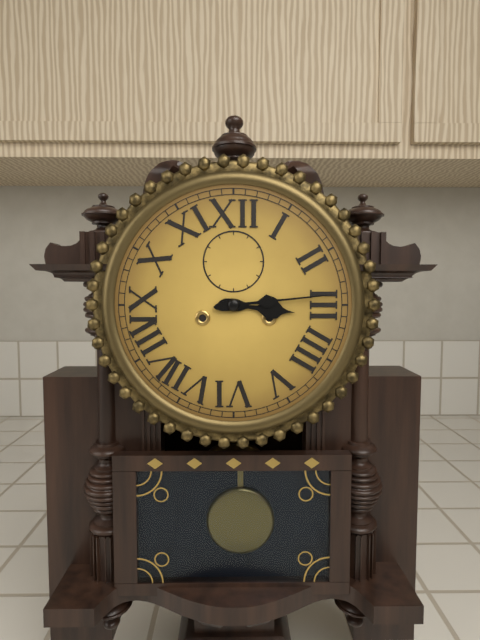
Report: 3:14
